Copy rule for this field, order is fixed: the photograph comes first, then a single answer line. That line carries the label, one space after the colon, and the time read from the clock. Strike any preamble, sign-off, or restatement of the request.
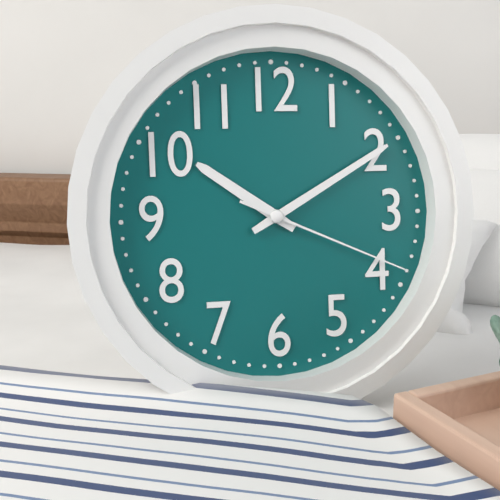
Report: 10:10:19
